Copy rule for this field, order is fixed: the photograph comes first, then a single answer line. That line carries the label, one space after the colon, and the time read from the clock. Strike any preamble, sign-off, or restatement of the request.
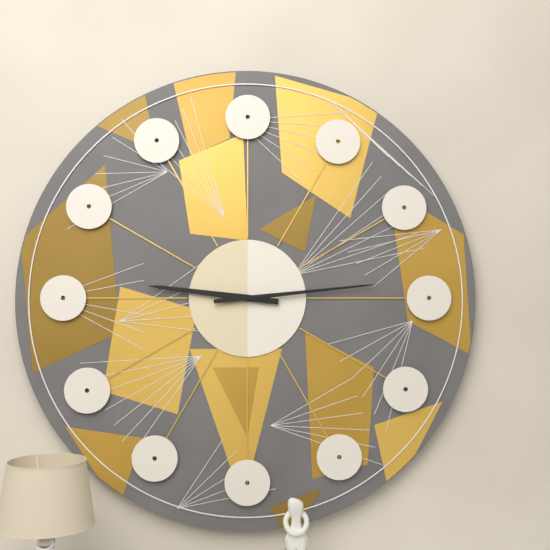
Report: 9:14
